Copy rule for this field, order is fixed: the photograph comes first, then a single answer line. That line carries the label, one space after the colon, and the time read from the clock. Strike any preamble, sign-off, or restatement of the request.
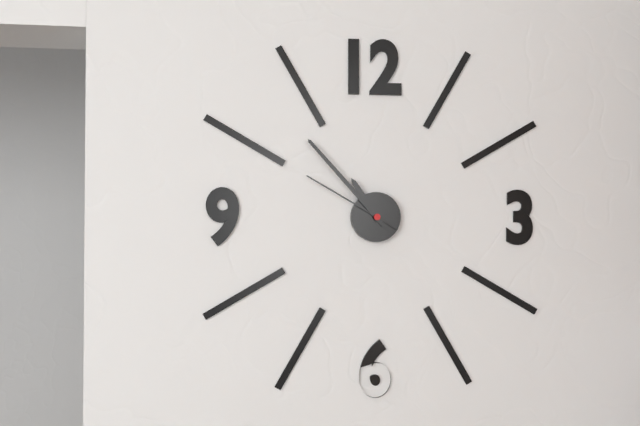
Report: 10:53:50
